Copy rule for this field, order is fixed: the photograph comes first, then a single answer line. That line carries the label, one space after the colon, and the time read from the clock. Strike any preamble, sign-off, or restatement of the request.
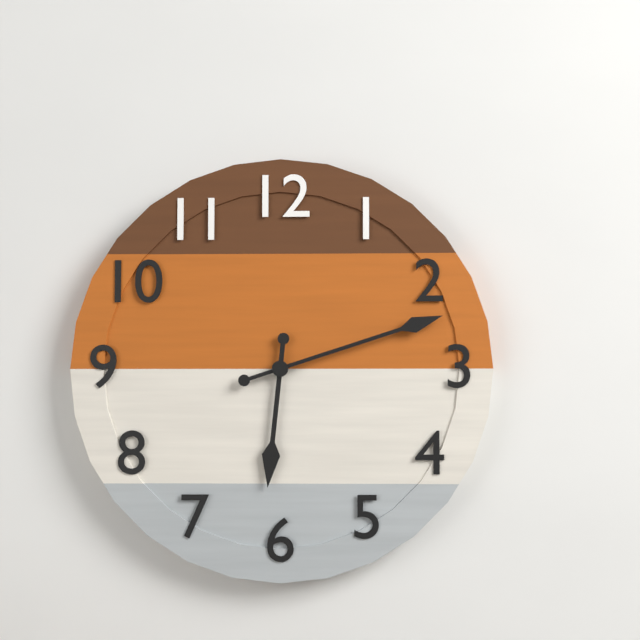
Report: 6:12
